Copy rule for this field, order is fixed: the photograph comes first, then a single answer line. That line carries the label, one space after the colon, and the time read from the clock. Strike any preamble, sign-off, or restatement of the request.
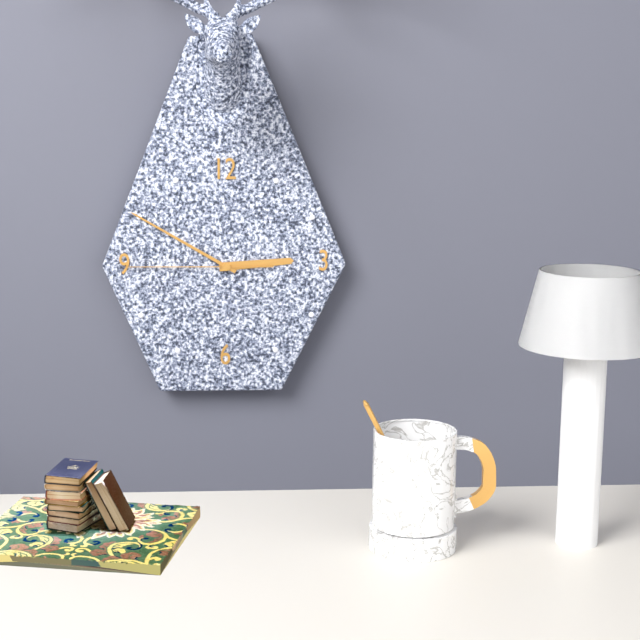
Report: 2:50:45
